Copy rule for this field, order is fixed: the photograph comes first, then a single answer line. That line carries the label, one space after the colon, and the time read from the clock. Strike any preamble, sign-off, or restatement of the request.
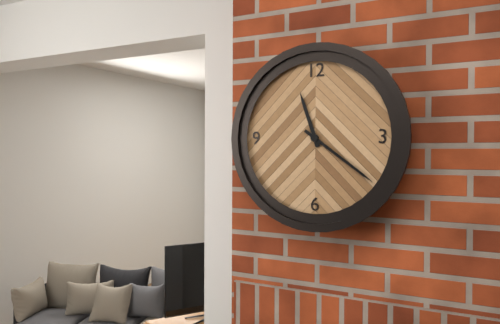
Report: 11:21
